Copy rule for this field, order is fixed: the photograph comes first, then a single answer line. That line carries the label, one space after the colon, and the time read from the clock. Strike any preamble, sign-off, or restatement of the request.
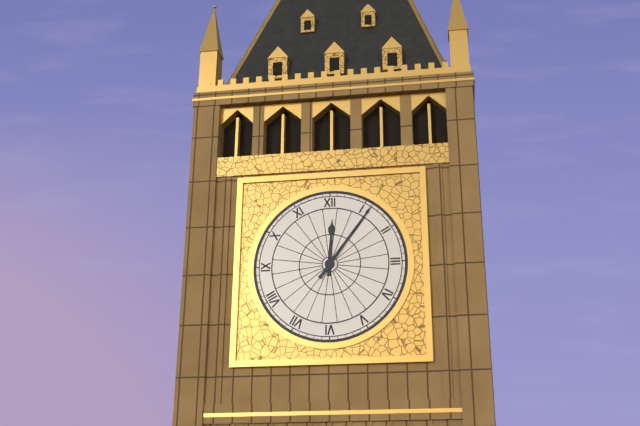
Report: 12:06
